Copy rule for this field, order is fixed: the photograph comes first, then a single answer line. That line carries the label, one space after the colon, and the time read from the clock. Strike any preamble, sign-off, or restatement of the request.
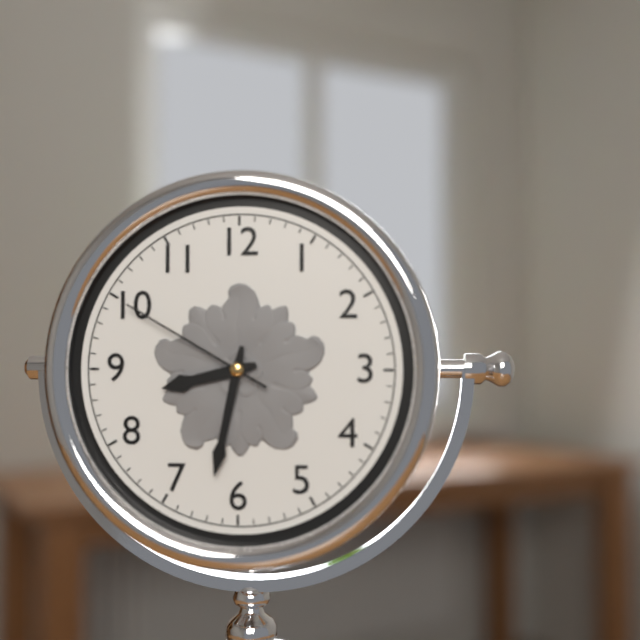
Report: 8:32:50
